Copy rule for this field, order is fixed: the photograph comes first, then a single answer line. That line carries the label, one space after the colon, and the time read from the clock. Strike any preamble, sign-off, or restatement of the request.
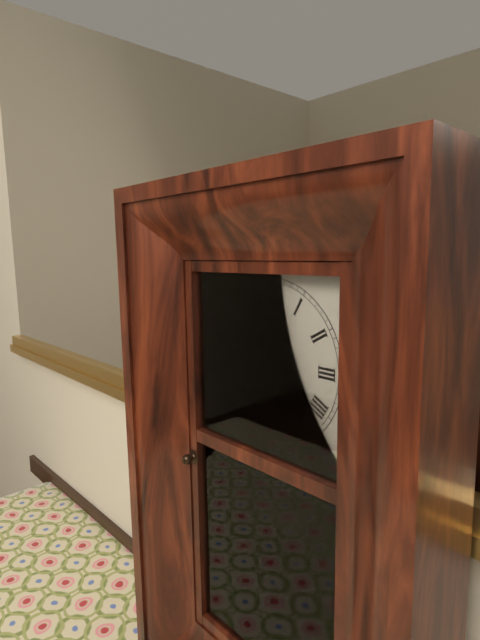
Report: 11:43
